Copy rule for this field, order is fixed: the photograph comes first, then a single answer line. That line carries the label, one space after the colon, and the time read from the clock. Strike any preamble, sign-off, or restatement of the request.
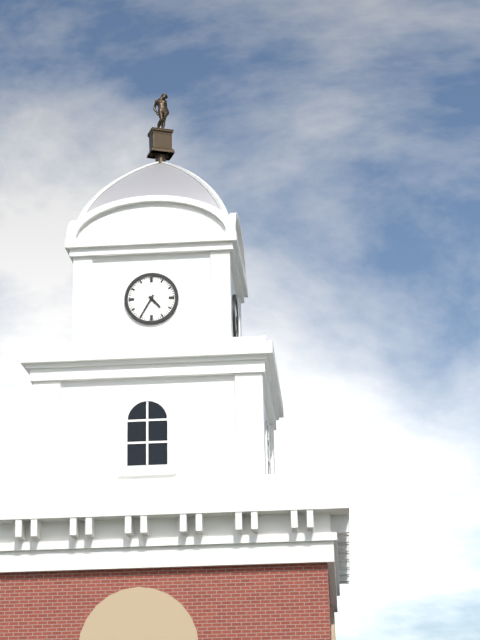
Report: 4:35
